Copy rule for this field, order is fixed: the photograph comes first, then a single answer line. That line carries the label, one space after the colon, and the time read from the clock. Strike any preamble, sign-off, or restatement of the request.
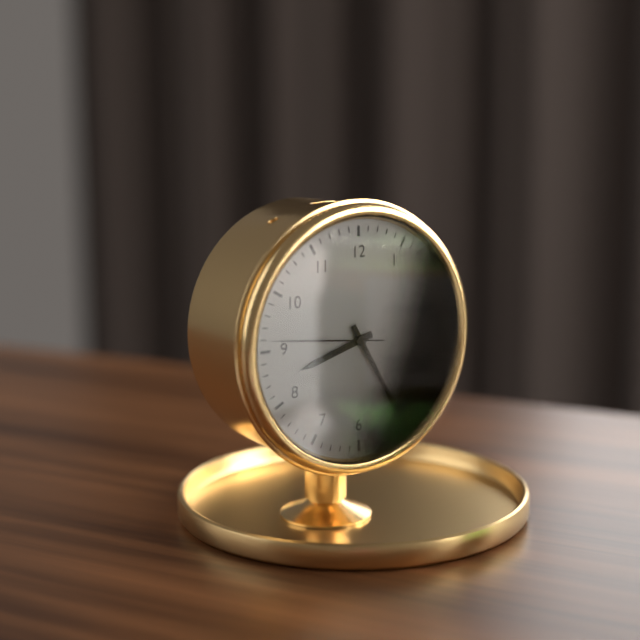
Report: 8:25:46
